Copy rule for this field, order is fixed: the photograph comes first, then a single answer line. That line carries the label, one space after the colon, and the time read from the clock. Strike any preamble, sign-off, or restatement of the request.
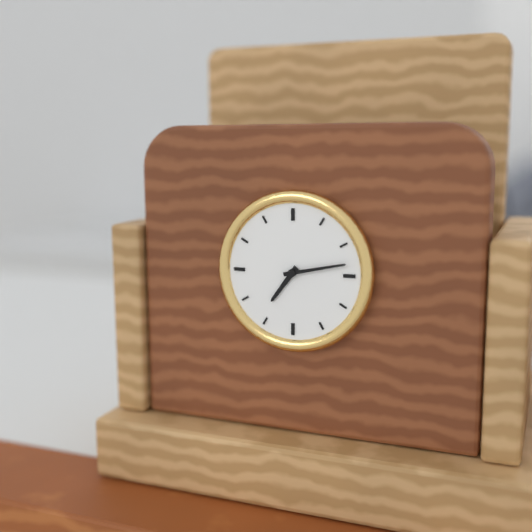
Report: 7:13
